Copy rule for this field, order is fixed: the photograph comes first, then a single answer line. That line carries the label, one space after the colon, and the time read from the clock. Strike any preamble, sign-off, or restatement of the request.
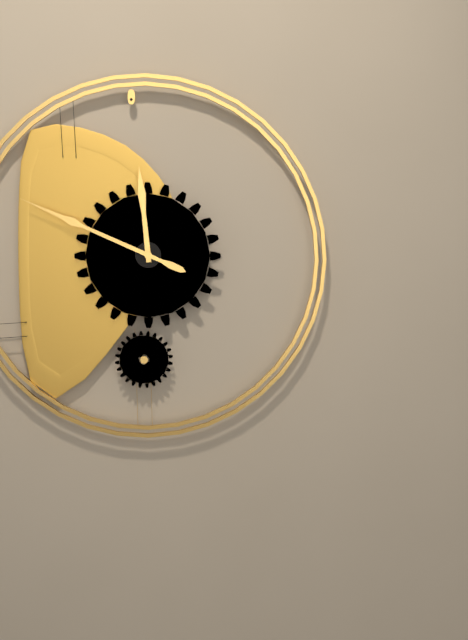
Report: 11:49
